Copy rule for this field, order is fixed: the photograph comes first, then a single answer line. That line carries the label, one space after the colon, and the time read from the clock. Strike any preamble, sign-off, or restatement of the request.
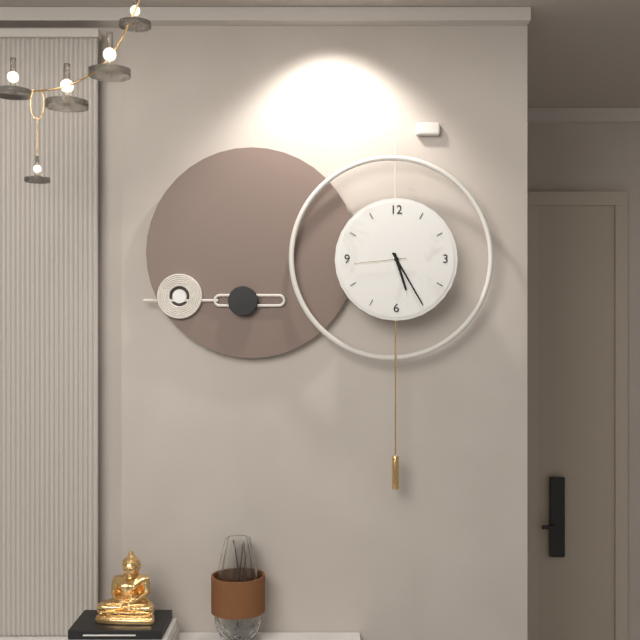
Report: 5:25:44
